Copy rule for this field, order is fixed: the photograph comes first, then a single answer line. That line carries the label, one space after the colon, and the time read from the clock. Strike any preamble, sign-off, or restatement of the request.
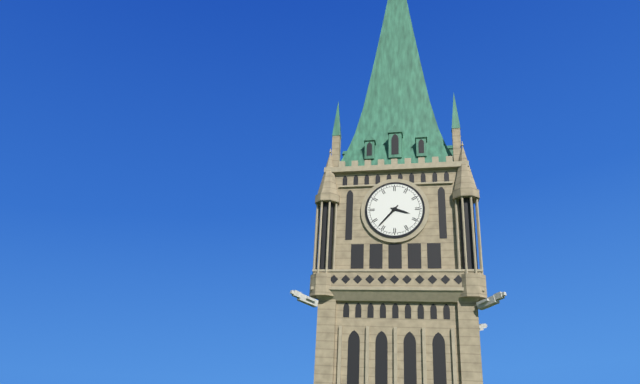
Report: 3:37
